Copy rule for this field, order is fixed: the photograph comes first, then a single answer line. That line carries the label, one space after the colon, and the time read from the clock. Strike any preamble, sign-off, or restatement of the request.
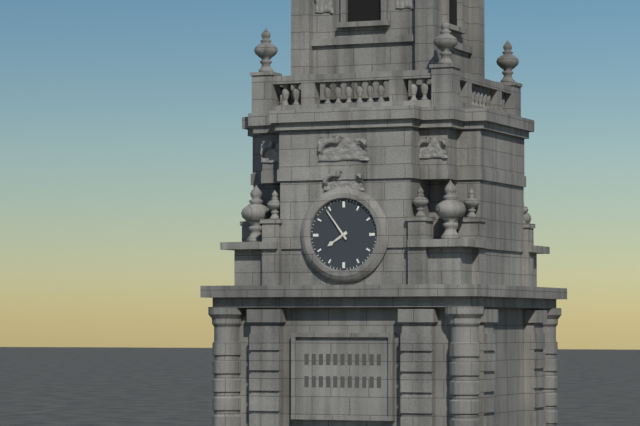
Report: 7:54
